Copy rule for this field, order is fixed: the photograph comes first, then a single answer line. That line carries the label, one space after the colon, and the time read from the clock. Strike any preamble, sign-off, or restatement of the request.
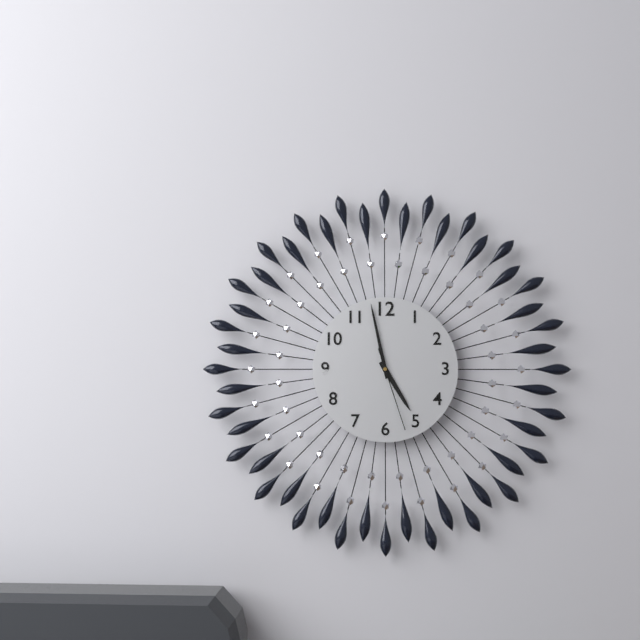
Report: 4:58:27
